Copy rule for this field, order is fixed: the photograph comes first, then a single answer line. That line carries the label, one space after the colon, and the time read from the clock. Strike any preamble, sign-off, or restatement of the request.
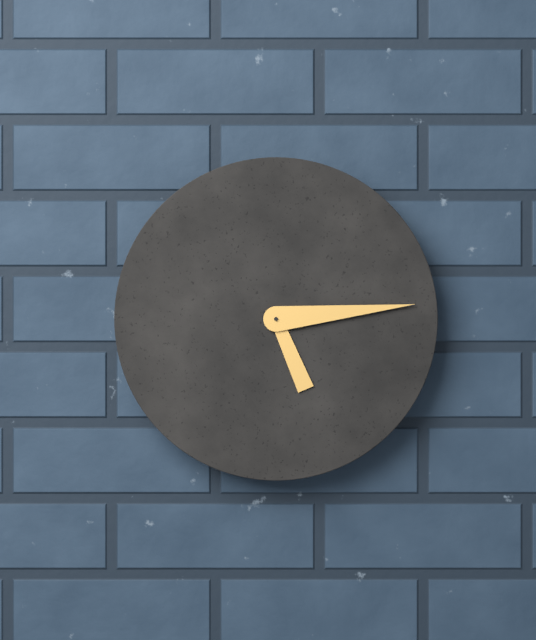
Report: 5:14
